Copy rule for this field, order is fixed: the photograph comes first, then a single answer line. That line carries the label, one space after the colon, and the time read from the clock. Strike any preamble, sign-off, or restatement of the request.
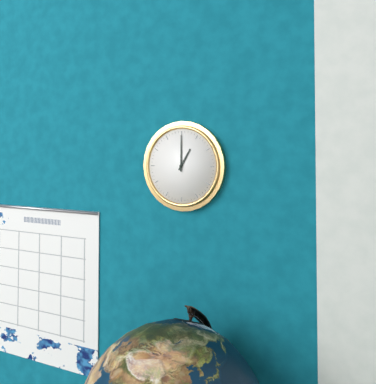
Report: 1:00
